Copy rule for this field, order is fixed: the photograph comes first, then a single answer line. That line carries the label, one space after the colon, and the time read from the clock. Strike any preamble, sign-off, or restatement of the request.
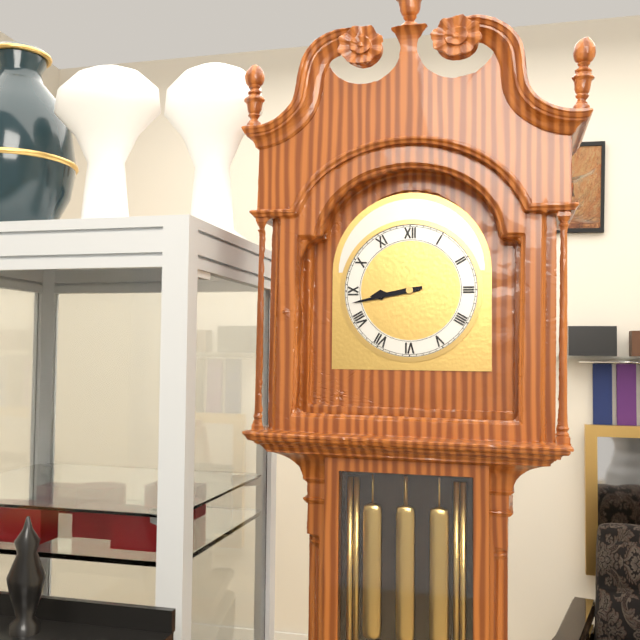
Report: 8:43
